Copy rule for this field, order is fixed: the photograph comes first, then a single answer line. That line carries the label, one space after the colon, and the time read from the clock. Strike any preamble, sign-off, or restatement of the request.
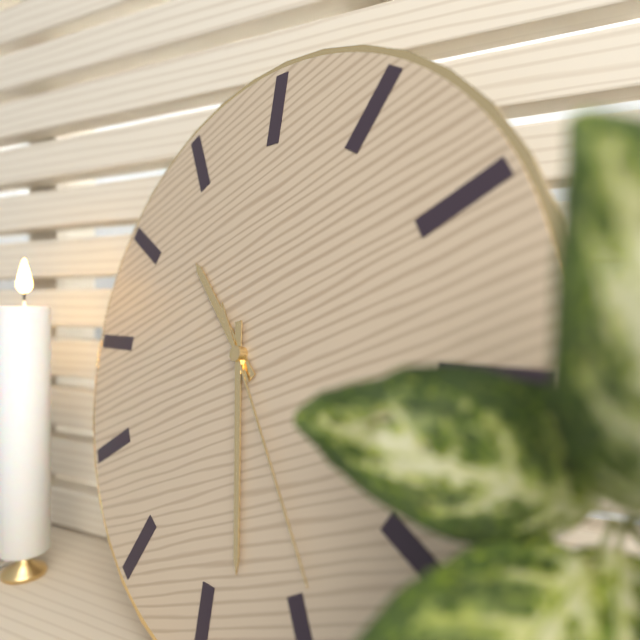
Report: 10:28:24
